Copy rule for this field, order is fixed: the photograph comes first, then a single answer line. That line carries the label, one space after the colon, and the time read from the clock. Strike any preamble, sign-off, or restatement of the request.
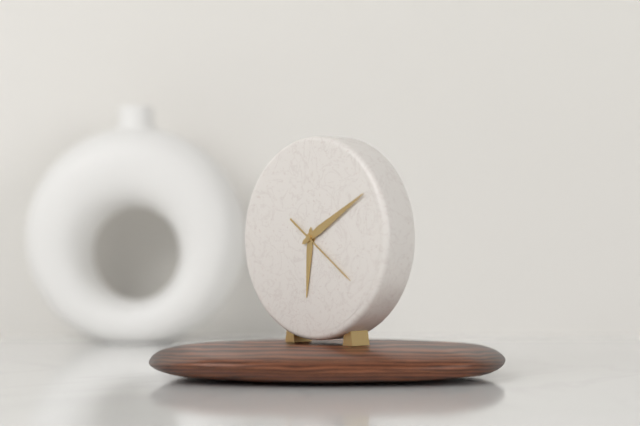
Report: 6:10:21
